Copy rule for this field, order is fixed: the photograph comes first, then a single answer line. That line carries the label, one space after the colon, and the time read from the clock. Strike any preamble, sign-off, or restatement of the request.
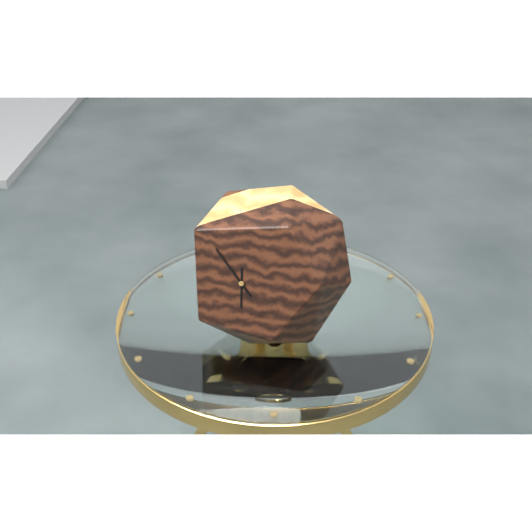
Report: 5:53
